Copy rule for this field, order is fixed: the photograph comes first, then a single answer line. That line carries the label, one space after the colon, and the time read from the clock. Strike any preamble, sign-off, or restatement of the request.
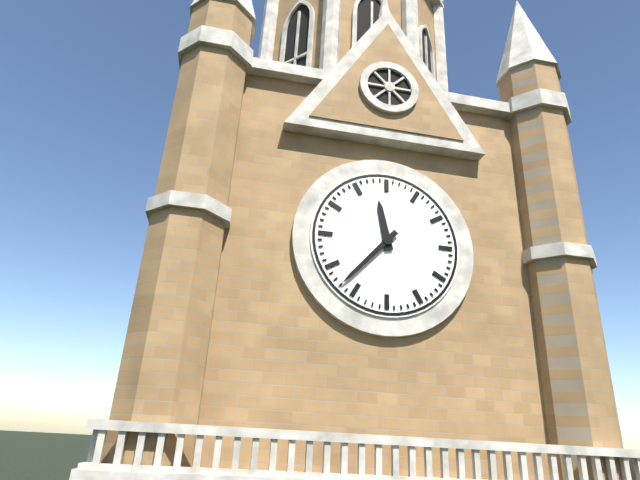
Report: 11:37
